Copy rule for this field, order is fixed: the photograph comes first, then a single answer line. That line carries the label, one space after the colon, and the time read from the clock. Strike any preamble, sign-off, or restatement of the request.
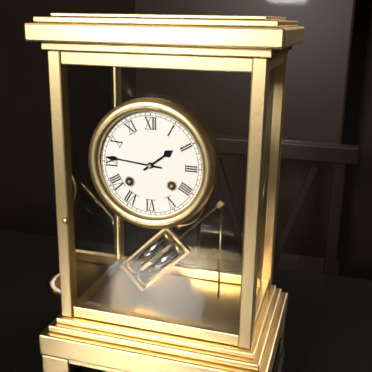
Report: 1:46
